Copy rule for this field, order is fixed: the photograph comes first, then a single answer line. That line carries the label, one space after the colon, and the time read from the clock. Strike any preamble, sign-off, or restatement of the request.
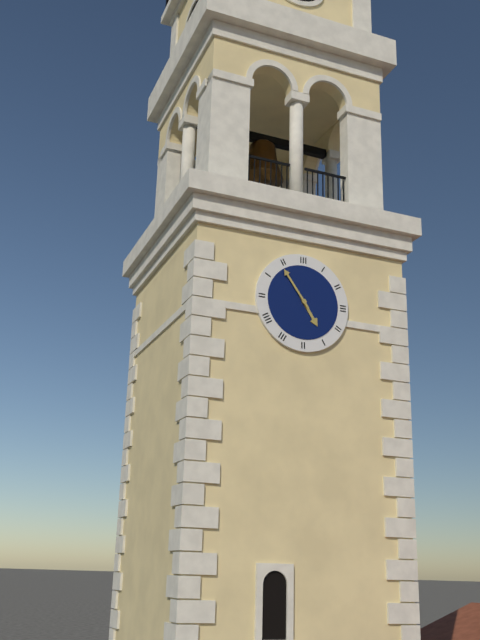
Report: 4:54
